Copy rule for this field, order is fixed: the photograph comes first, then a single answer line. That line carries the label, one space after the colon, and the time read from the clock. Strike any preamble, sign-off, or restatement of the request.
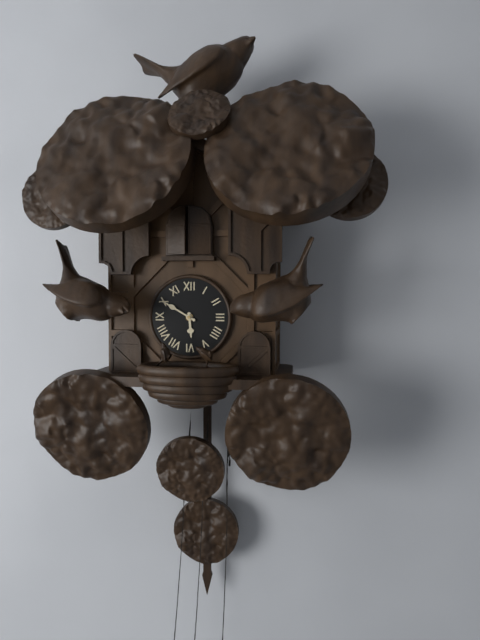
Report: 5:50
